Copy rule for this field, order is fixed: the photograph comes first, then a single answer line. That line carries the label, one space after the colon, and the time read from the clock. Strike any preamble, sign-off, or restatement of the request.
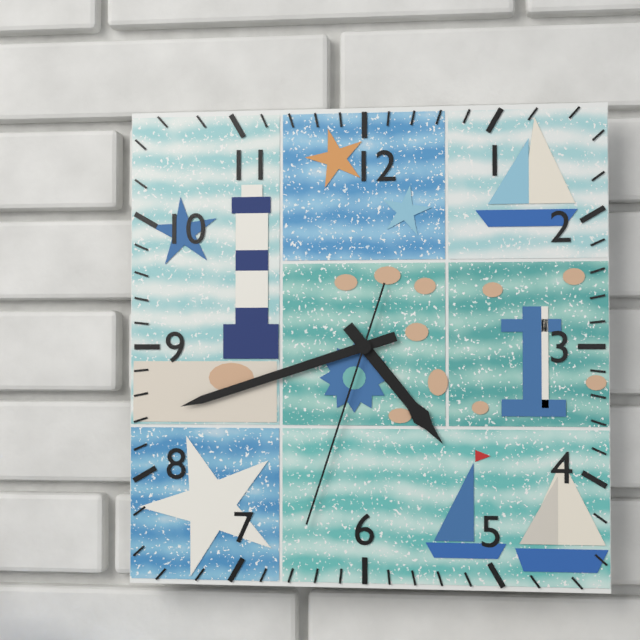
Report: 4:42:33
